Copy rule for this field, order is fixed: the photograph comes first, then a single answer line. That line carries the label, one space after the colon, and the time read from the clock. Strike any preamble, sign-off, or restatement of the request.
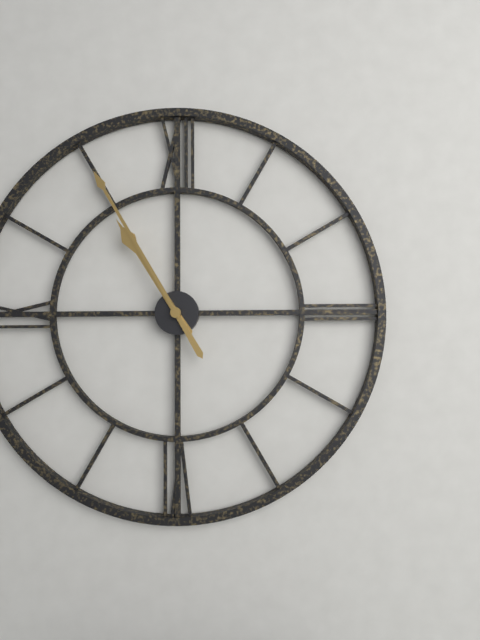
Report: 10:55
